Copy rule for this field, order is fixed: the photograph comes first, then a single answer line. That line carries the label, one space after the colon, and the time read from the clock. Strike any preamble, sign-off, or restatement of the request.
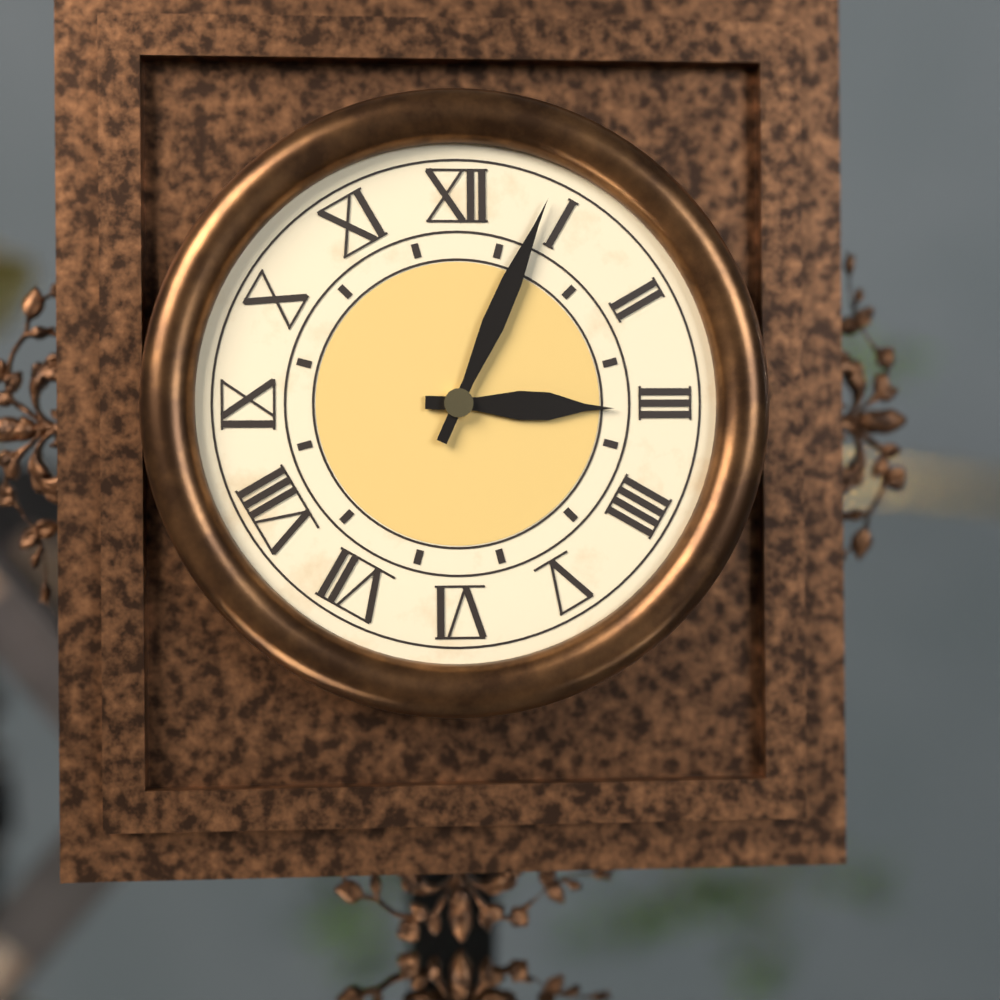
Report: 3:04
